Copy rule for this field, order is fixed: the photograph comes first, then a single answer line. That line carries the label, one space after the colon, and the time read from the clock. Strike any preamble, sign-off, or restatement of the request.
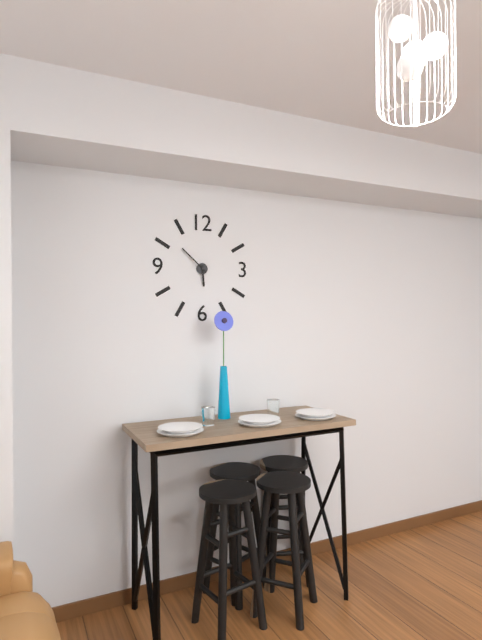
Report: 5:52
